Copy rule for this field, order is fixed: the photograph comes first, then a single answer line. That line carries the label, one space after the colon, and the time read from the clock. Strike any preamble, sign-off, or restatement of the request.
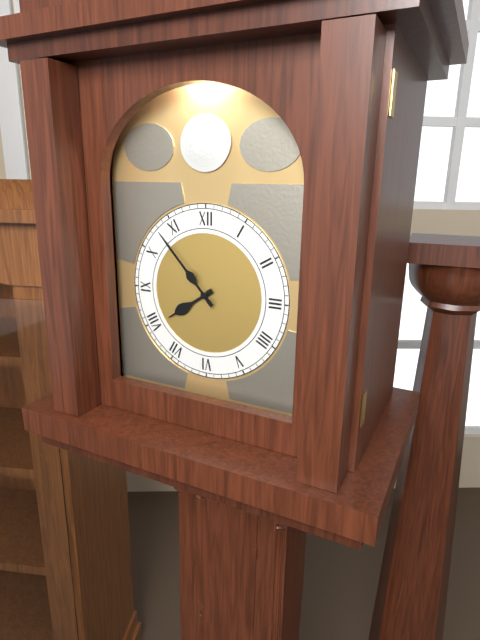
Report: 7:53
